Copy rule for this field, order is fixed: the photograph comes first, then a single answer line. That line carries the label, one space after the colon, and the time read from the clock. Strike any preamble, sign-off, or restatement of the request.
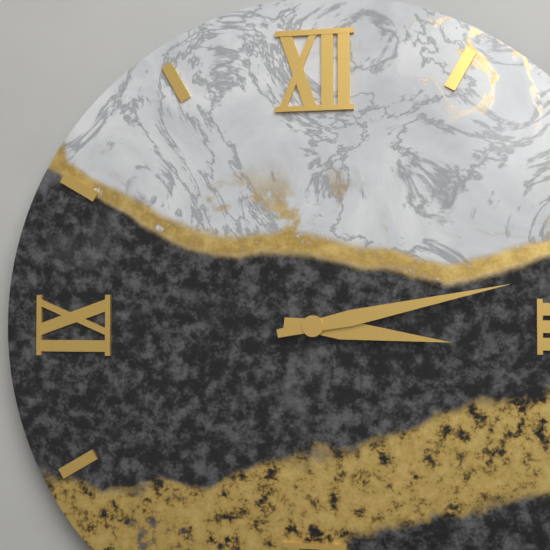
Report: 3:13
